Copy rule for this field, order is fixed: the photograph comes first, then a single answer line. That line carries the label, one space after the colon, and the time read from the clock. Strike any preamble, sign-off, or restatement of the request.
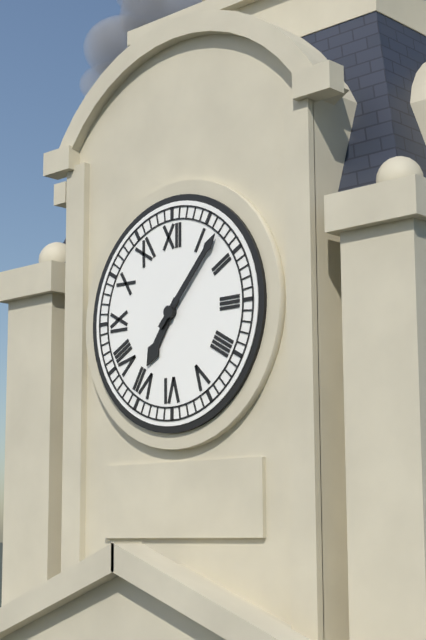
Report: 7:07
